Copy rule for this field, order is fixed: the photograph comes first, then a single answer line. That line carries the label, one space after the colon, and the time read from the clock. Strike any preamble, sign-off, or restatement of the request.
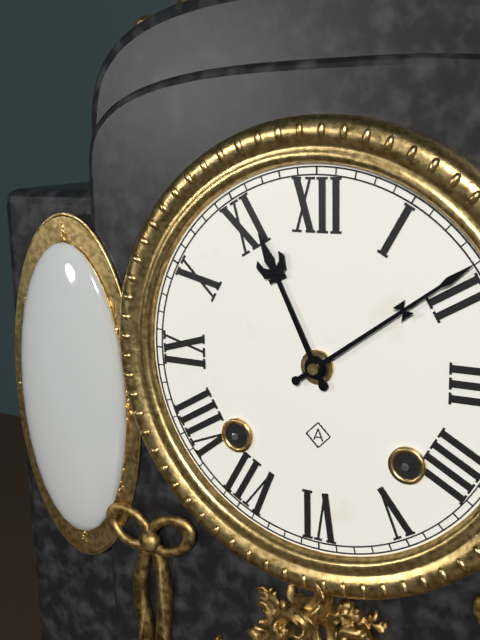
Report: 11:09
